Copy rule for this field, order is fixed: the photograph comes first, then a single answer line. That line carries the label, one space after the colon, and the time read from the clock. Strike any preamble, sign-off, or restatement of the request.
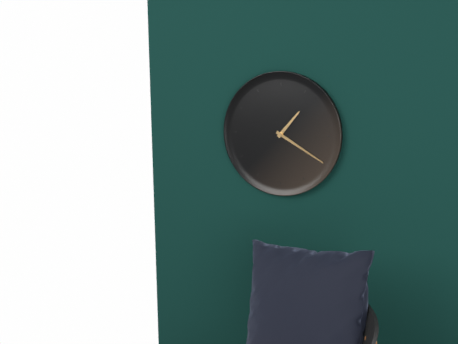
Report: 1:20
